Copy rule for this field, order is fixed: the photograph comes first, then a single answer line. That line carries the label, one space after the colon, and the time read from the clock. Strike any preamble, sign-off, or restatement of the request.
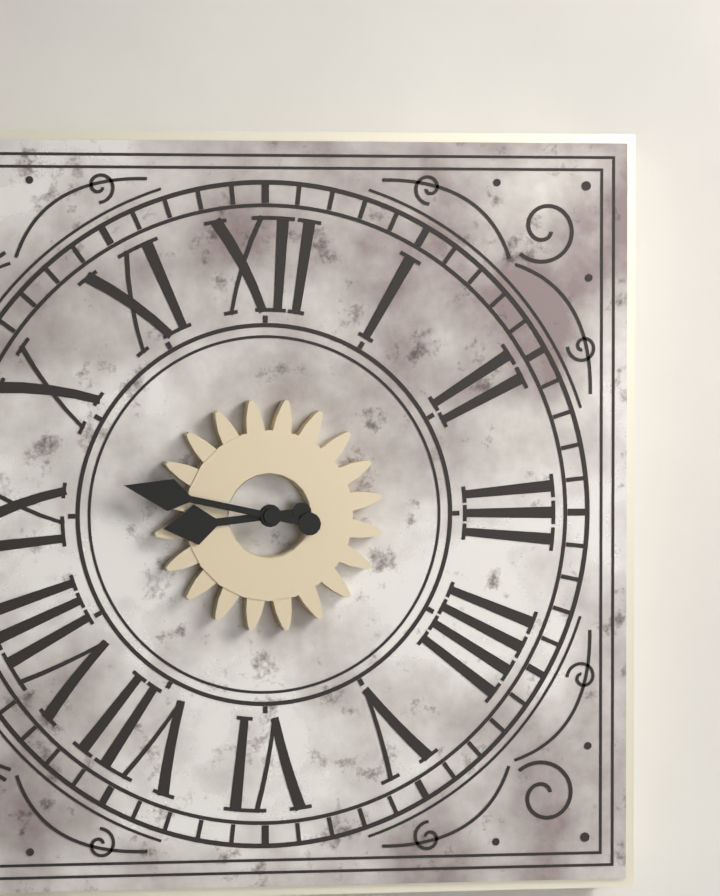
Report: 8:47
